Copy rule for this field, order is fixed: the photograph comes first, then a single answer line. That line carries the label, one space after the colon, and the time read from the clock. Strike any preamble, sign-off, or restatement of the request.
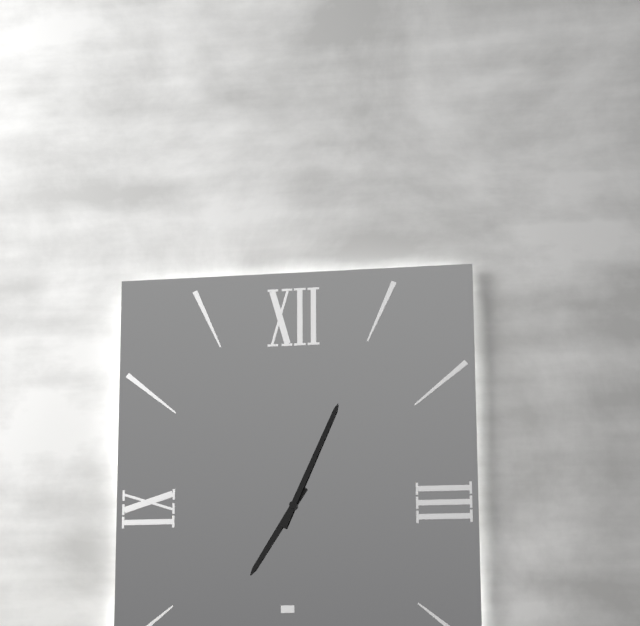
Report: 7:04
